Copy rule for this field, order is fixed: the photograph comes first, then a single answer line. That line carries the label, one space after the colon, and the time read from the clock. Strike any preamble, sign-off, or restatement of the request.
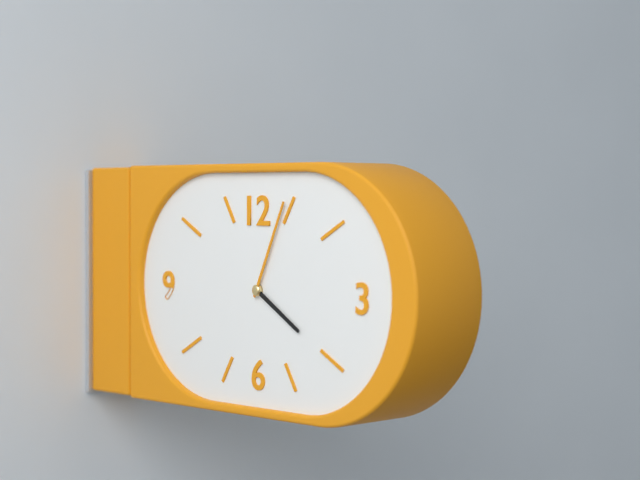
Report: 4:04
